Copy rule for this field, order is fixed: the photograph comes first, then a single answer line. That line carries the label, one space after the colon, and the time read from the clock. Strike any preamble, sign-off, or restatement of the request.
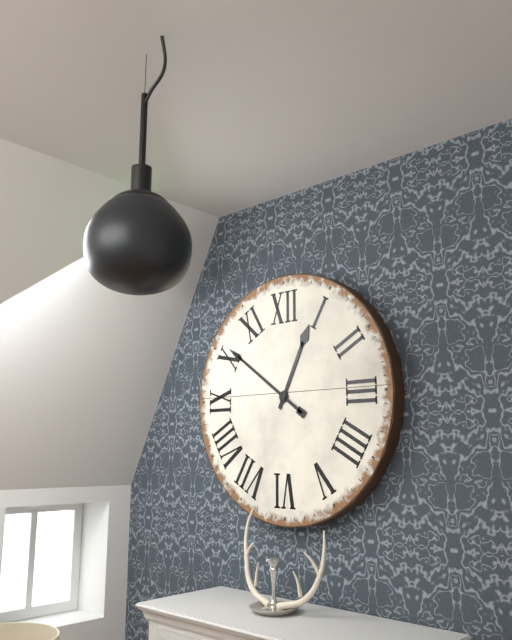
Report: 12:51
